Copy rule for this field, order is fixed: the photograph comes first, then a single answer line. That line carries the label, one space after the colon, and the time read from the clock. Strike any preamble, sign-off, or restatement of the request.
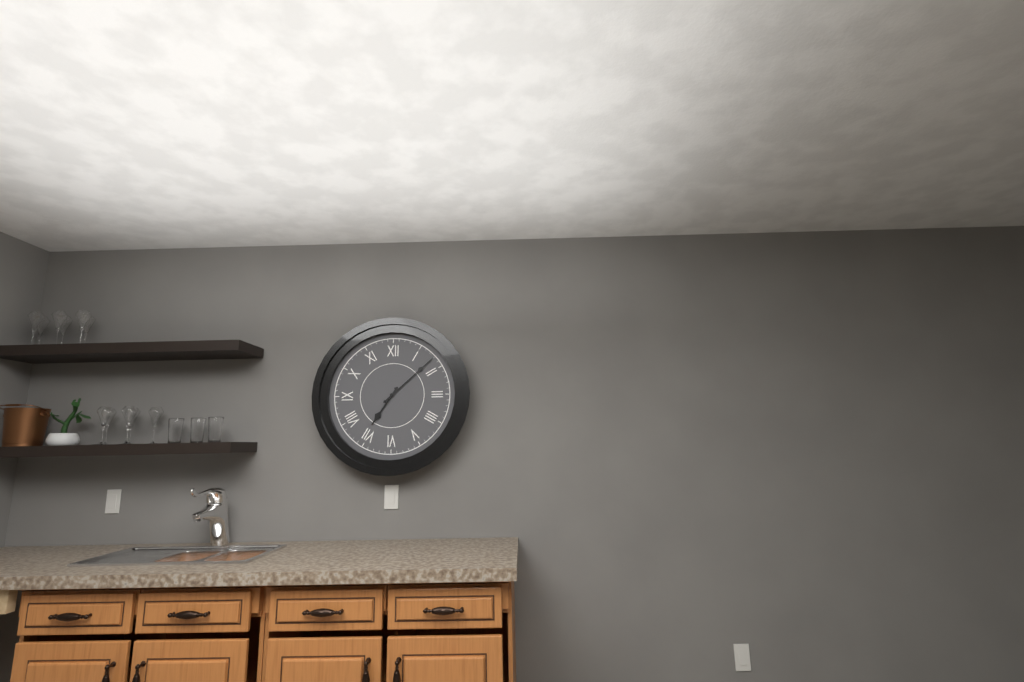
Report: 7:08
